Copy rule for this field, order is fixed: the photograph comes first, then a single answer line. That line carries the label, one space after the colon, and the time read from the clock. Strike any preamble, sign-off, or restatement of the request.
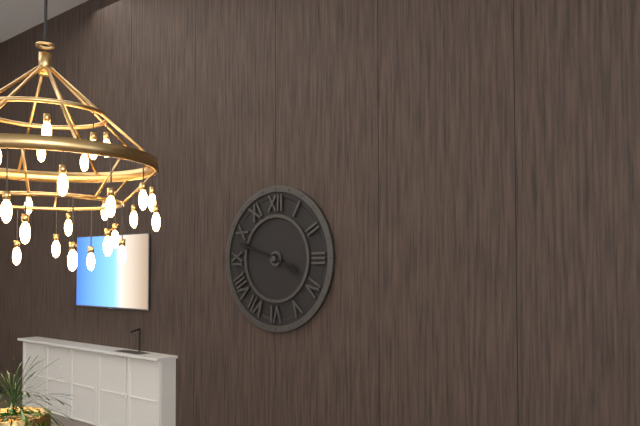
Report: 3:48
